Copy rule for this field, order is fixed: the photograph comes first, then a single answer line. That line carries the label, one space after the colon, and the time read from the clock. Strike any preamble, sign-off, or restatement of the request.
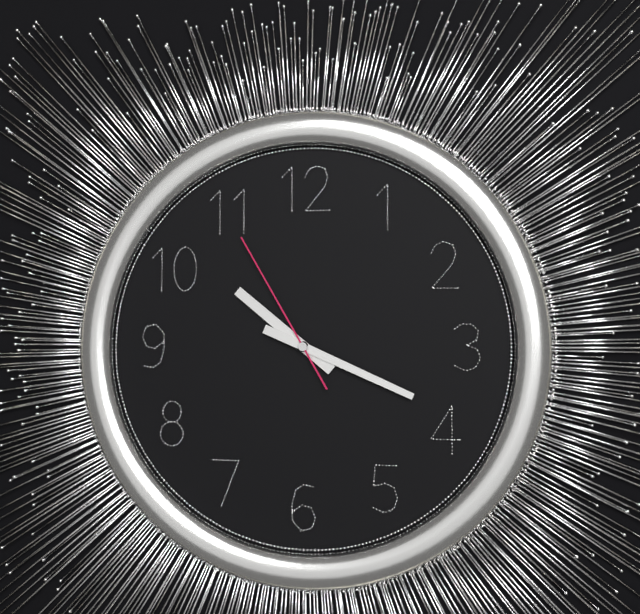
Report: 10:19:55
